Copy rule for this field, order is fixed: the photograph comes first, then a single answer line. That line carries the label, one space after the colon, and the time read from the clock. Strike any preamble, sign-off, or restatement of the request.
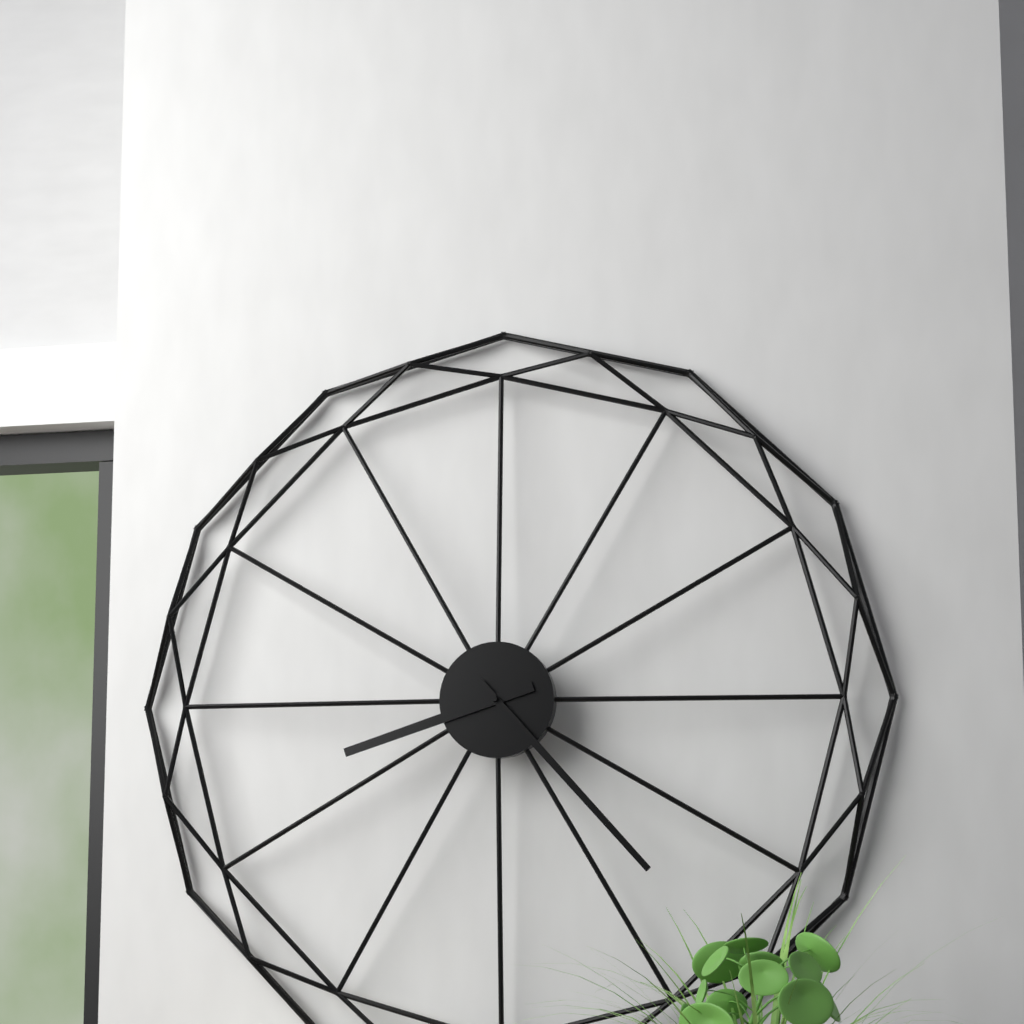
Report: 8:23
